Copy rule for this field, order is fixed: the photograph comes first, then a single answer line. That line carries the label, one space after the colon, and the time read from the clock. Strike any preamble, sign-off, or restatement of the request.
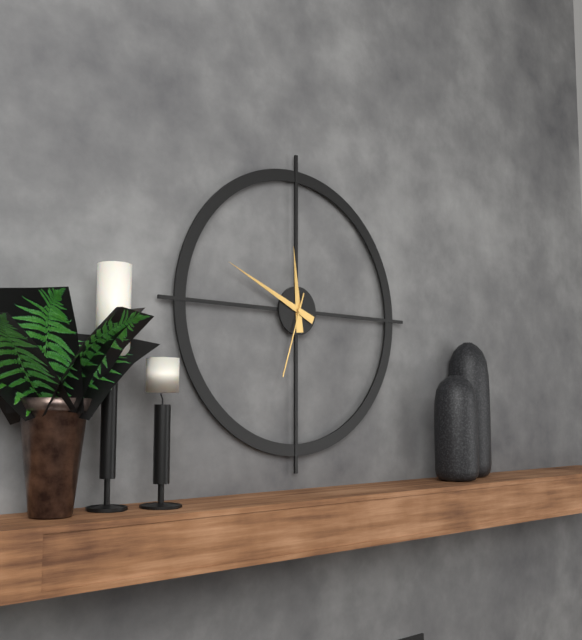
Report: 11:49:33
